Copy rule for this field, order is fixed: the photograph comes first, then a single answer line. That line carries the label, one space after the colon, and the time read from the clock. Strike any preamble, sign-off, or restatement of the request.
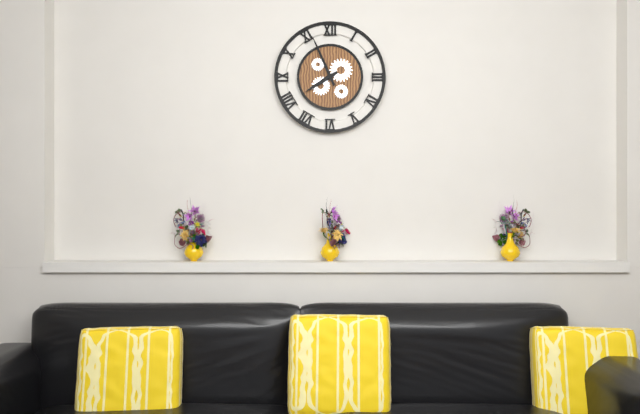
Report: 7:56
